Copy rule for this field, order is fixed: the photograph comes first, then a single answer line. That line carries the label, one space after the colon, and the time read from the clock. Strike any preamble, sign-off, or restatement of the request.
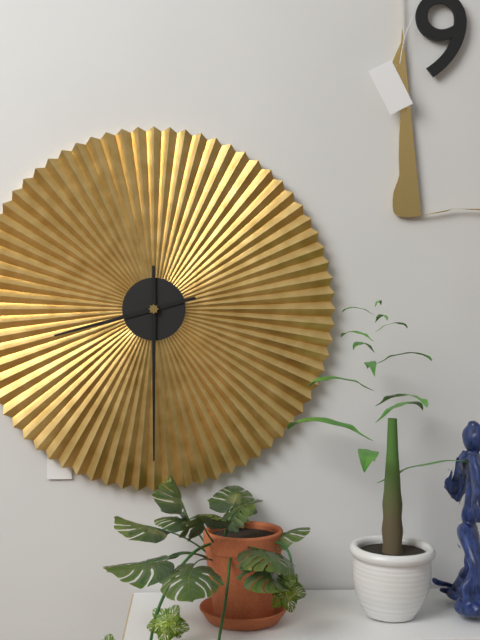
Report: 8:30
